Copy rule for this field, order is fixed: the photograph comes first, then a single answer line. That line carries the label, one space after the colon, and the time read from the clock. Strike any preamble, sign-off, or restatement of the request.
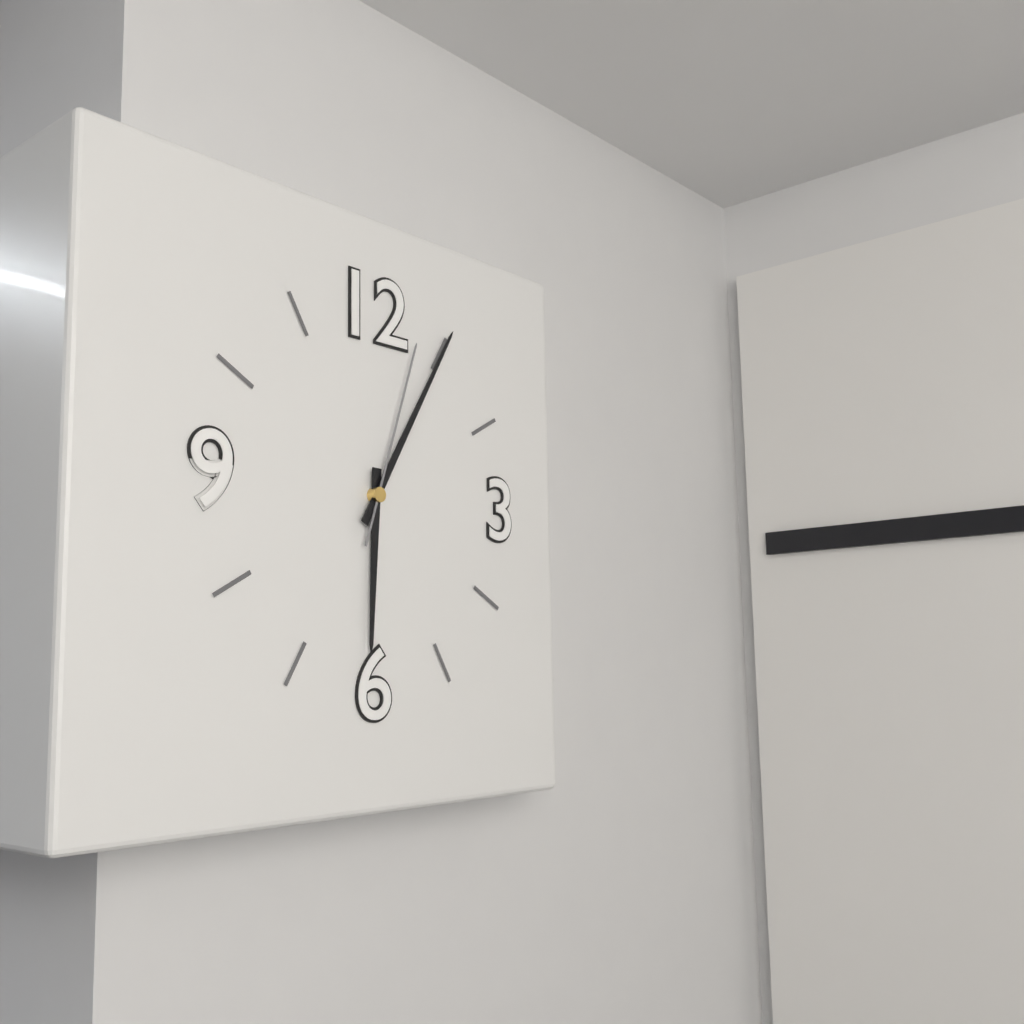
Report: 6:05:03
